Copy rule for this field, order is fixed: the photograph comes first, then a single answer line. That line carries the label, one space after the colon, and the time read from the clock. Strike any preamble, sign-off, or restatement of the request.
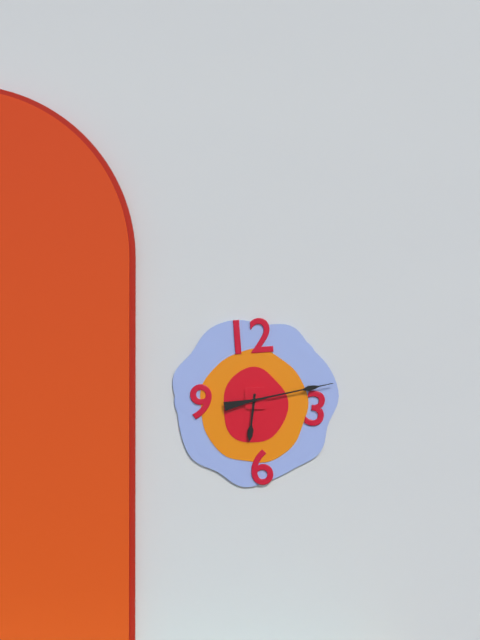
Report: 6:13
